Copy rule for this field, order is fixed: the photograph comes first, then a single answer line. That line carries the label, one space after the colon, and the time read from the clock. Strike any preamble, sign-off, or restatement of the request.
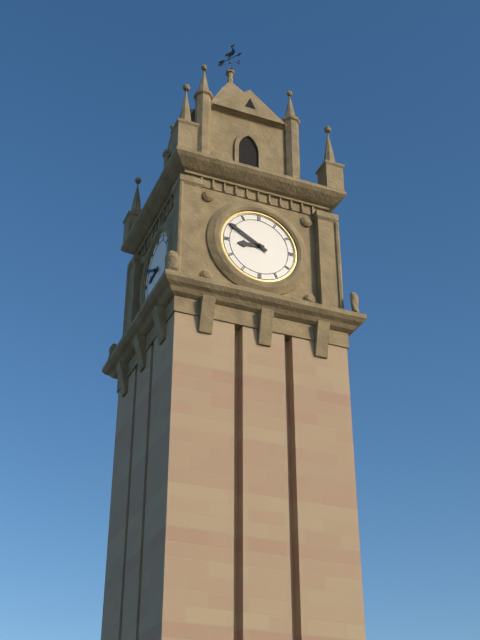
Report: 8:50
